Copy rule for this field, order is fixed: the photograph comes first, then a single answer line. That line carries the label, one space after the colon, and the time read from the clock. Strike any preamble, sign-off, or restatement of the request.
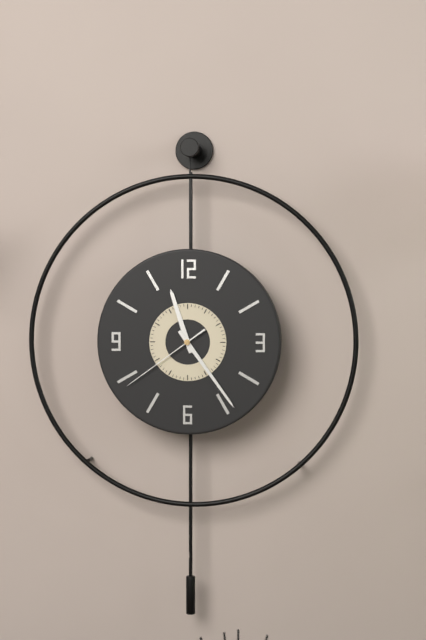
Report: 11:24:39
